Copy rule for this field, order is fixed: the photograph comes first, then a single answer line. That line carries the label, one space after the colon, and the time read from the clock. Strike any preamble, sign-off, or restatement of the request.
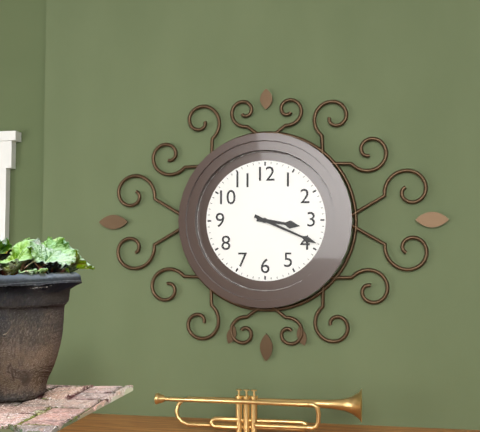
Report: 3:19
